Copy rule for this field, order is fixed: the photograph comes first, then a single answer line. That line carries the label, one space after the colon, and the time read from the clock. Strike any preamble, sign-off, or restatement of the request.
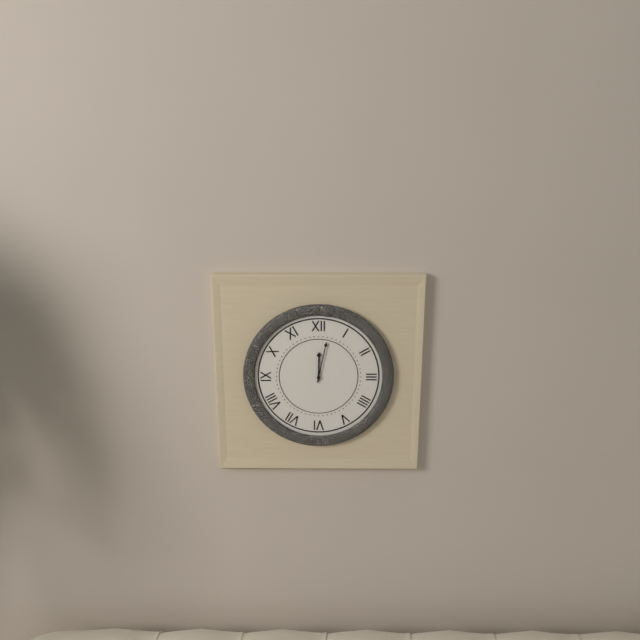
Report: 12:02
